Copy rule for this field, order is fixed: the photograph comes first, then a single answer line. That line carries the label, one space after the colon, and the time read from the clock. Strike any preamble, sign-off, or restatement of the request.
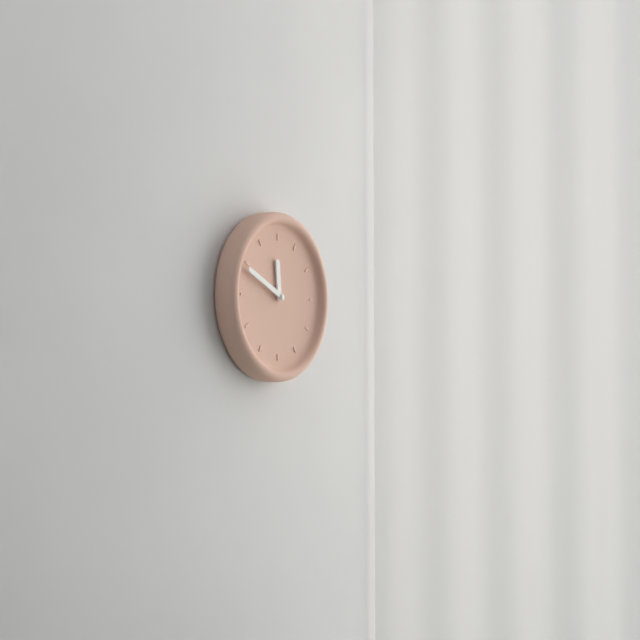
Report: 11:49
